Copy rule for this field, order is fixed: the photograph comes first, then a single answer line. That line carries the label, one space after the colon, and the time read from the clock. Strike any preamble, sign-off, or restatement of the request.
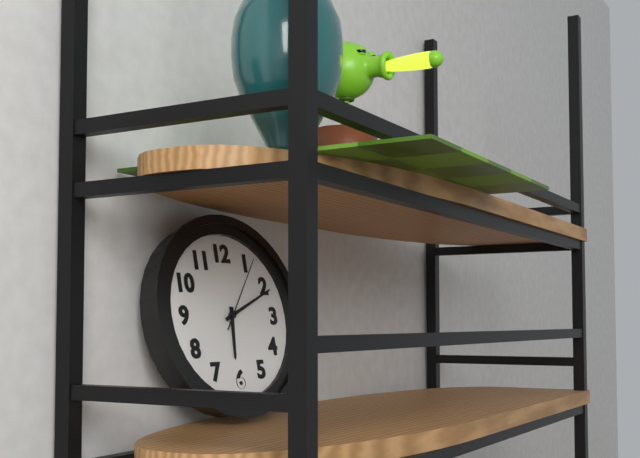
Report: 6:11:06
